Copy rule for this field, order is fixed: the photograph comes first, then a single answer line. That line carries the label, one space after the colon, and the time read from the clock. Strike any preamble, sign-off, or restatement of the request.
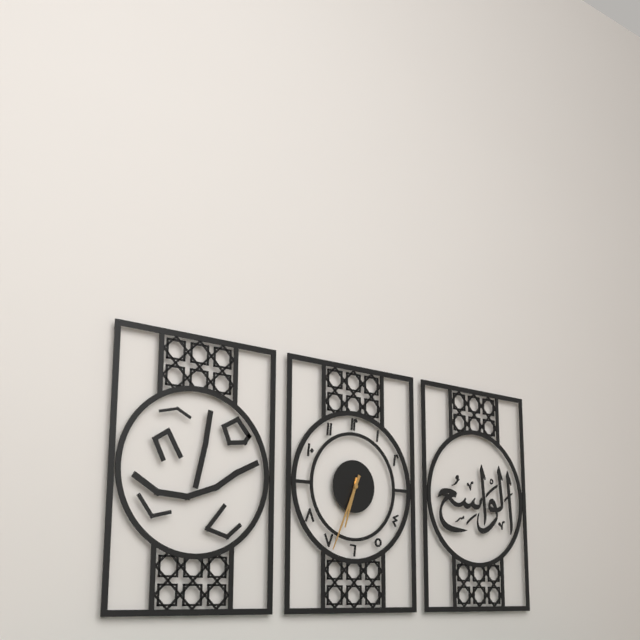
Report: 6:34
